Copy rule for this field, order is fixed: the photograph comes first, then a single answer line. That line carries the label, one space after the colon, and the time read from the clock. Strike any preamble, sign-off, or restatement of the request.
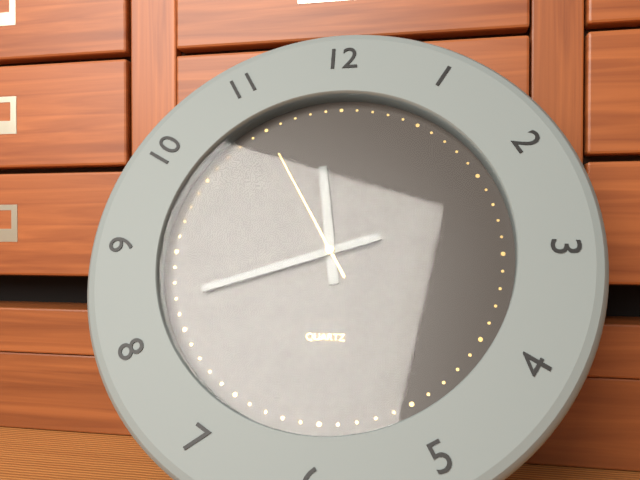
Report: 11:42:55
